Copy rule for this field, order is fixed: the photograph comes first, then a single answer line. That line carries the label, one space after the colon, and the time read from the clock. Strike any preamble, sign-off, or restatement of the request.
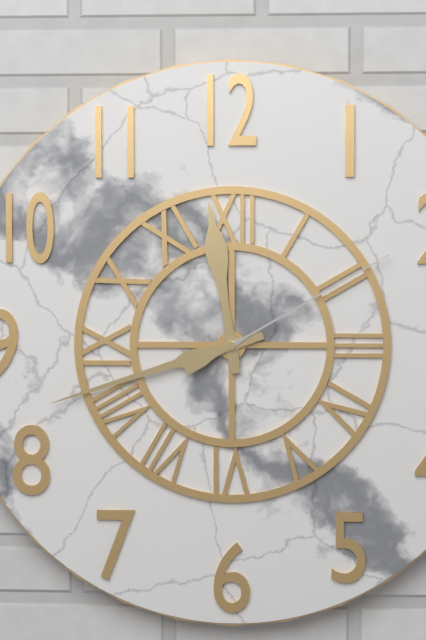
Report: 11:42:10
